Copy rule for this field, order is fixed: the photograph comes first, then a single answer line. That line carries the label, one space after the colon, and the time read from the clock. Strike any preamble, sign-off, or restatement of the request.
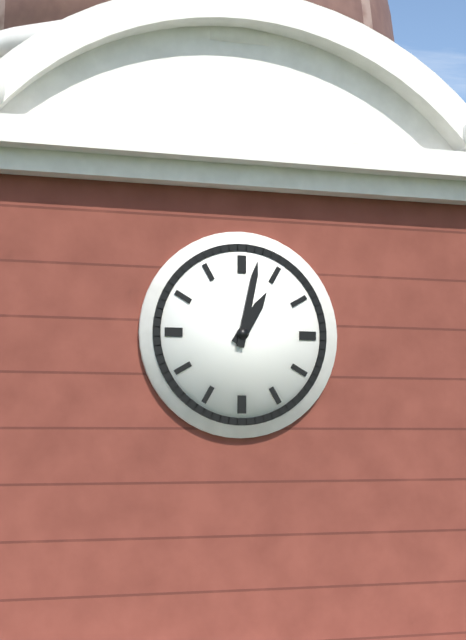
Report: 1:02
